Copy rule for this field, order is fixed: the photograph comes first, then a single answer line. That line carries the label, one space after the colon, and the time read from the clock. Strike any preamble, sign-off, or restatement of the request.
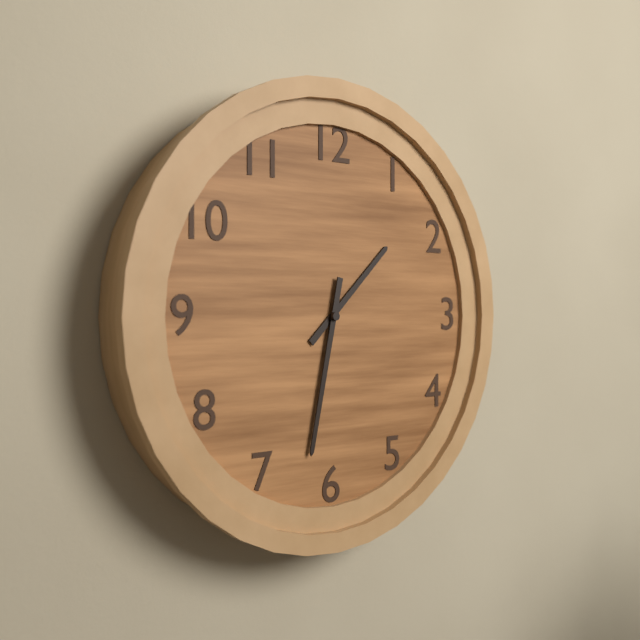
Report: 1:32
